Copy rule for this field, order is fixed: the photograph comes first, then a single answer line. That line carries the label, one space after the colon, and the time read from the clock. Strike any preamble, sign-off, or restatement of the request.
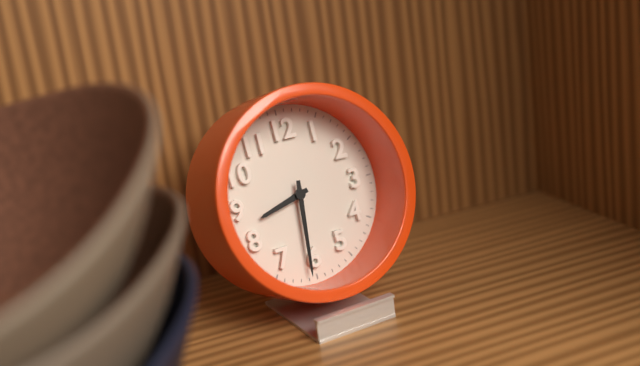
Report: 8:31
